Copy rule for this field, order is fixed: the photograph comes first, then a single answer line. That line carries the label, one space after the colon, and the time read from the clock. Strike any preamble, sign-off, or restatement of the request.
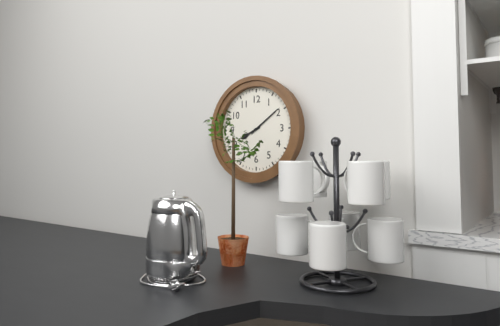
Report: 8:09
